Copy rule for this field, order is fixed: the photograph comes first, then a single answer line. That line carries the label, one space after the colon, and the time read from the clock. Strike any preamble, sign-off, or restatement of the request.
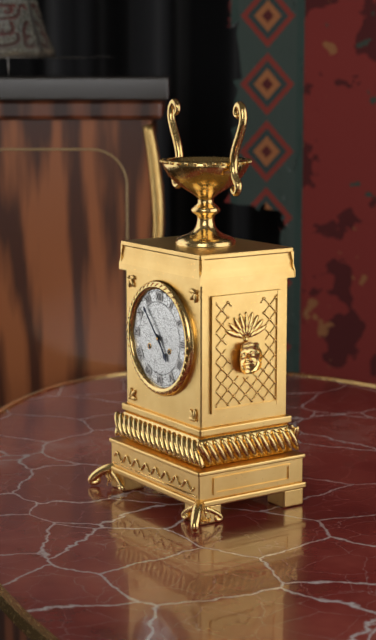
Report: 4:53
